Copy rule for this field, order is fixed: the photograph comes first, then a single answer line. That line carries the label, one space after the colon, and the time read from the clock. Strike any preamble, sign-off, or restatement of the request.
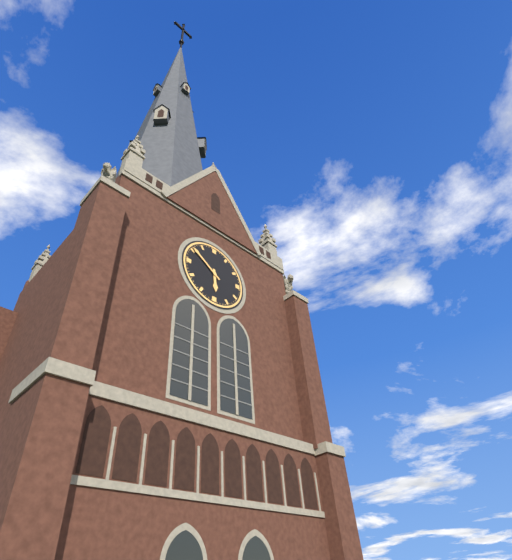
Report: 5:51
